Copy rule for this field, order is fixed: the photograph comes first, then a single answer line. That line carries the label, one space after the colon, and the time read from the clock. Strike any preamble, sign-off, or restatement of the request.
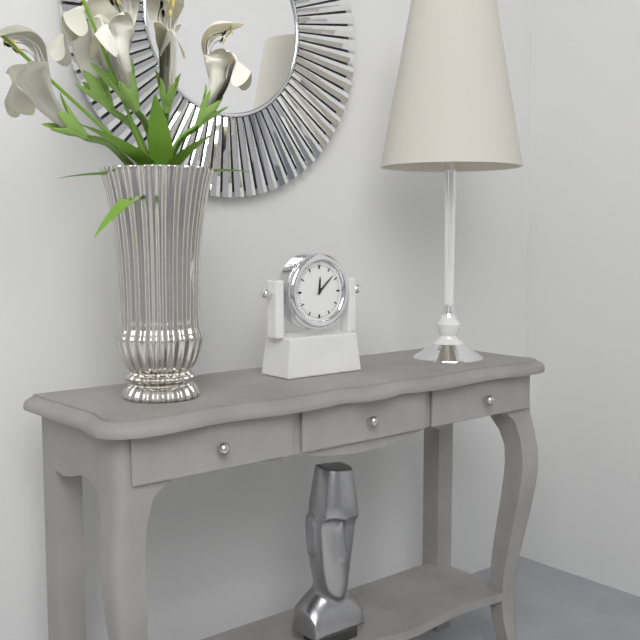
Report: 12:08
